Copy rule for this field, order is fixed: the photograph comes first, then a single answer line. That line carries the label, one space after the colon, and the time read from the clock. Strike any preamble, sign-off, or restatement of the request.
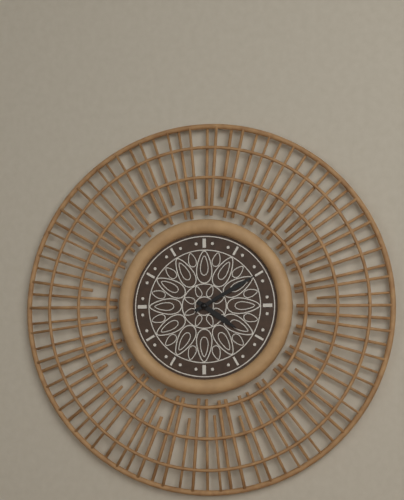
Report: 4:10
